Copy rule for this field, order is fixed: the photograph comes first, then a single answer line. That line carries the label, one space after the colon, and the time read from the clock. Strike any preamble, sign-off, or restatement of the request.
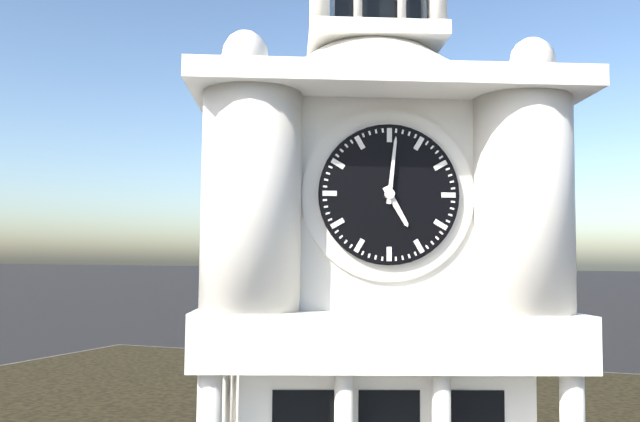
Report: 5:01
